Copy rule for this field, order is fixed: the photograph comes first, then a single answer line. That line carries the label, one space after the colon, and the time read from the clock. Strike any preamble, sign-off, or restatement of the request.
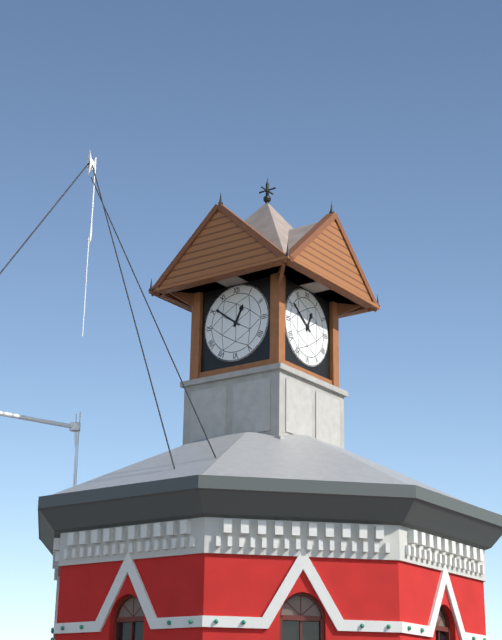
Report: 12:51
